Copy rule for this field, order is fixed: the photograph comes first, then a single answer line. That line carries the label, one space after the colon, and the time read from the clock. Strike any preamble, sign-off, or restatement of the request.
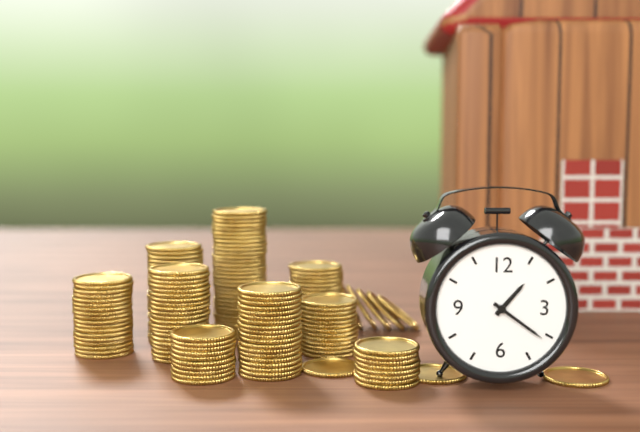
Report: 1:21
